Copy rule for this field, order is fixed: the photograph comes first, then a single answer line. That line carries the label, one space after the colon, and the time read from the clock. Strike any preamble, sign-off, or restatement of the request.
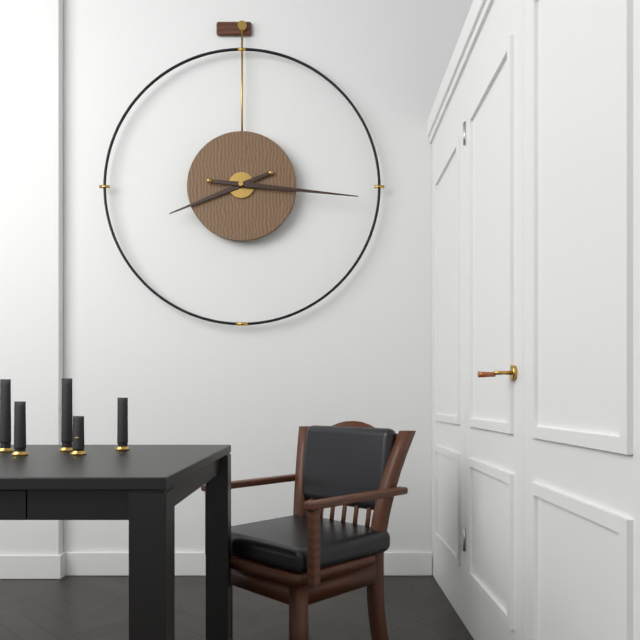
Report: 8:16
